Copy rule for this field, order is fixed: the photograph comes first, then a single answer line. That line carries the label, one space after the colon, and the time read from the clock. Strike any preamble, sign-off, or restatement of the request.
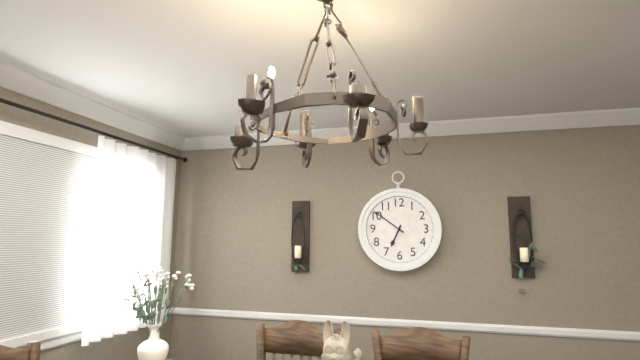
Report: 6:51
